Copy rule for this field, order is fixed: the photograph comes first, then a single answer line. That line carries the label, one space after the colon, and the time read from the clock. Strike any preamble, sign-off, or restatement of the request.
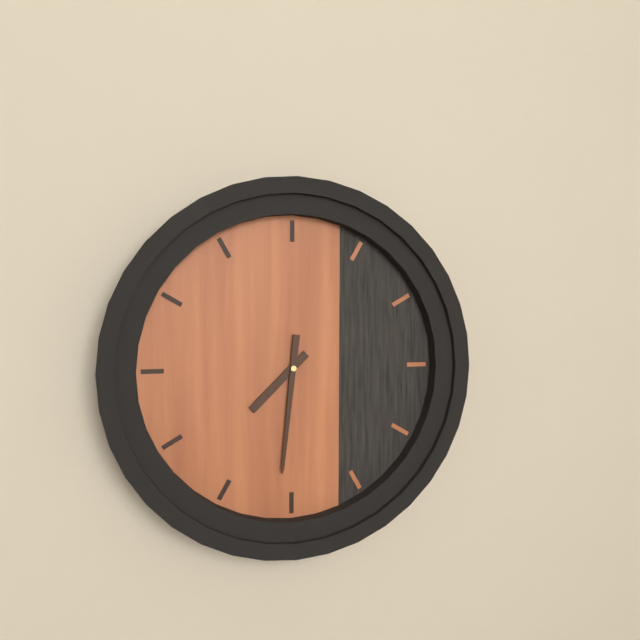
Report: 7:31
